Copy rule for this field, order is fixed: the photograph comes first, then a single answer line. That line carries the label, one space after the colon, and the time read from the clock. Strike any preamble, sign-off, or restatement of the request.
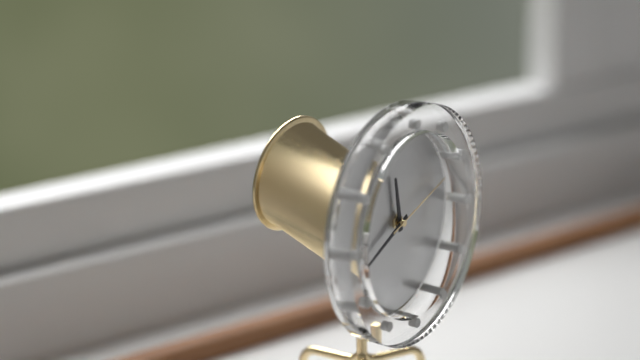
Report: 11:41:12
